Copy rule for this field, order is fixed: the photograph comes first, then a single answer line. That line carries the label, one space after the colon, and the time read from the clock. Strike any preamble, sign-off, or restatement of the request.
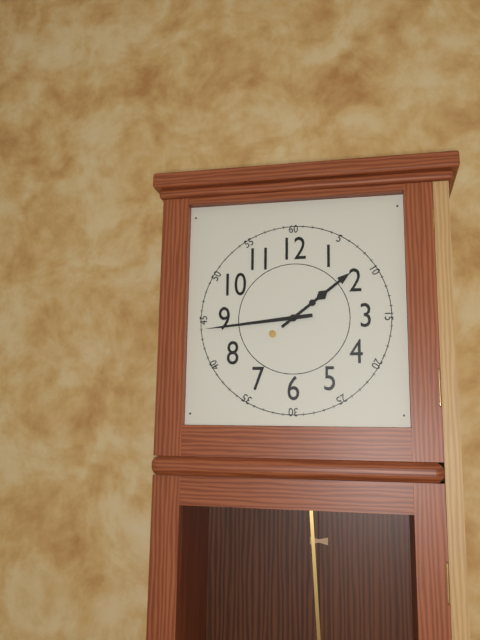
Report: 1:44
